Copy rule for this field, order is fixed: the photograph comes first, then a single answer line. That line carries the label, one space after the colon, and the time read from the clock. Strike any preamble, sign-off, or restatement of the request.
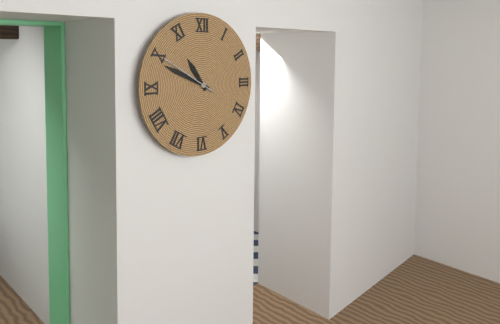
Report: 10:49:50
